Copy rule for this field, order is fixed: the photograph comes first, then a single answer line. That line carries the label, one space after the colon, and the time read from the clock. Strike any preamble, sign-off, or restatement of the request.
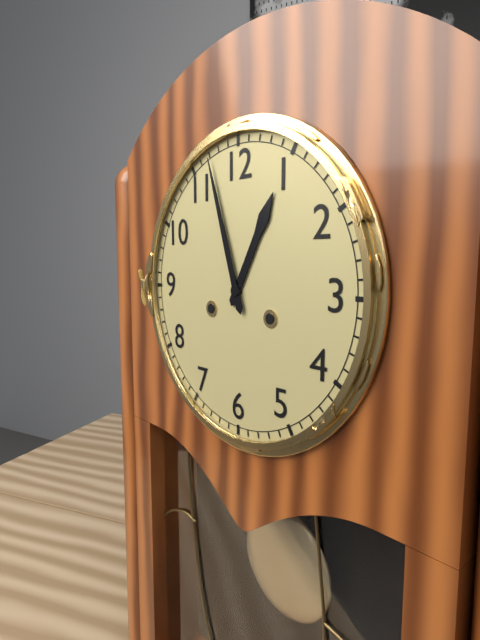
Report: 12:57
